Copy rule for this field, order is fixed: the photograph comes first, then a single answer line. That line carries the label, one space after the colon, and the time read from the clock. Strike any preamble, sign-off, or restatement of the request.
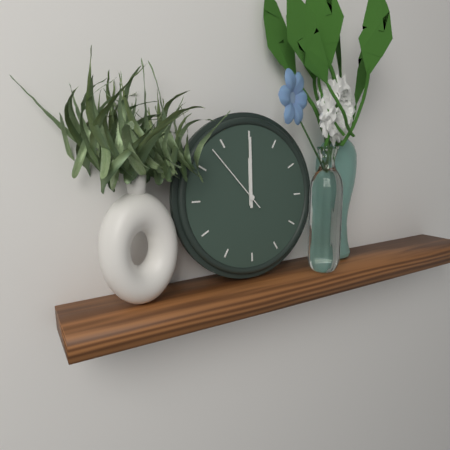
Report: 12:00:53
